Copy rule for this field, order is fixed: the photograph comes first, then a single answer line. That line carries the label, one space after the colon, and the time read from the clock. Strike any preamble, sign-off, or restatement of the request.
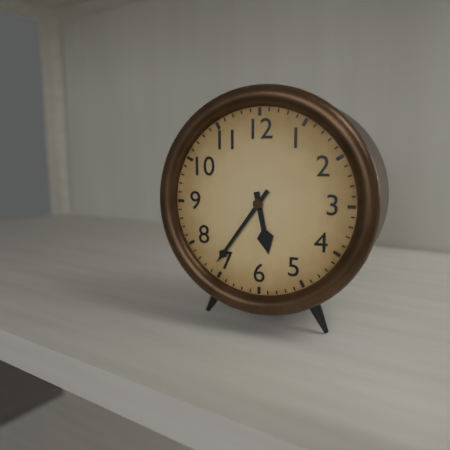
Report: 5:36
